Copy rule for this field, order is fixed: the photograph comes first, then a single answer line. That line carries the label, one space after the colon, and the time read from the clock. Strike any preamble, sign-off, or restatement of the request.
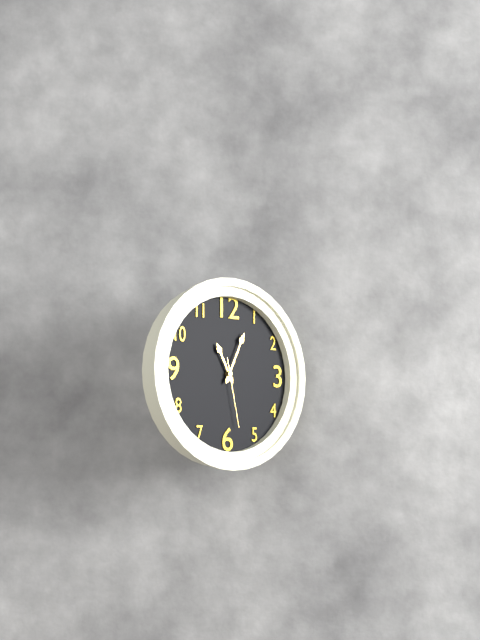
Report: 11:04:28
